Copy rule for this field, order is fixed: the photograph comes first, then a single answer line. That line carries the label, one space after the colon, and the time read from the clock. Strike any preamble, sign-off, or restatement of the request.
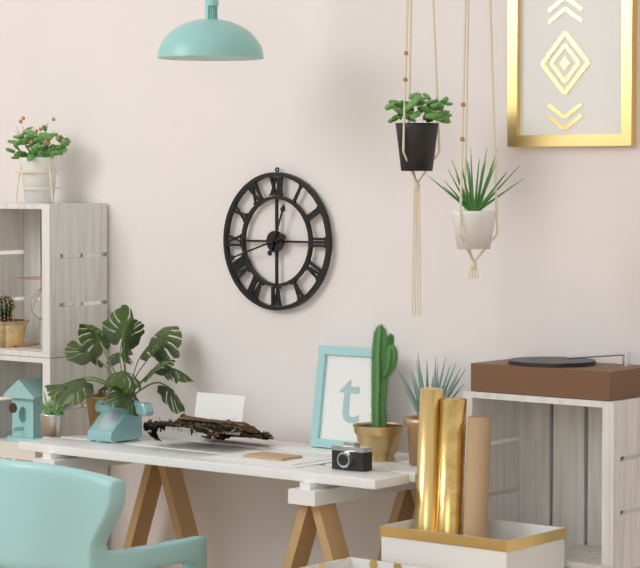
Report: 12:42
